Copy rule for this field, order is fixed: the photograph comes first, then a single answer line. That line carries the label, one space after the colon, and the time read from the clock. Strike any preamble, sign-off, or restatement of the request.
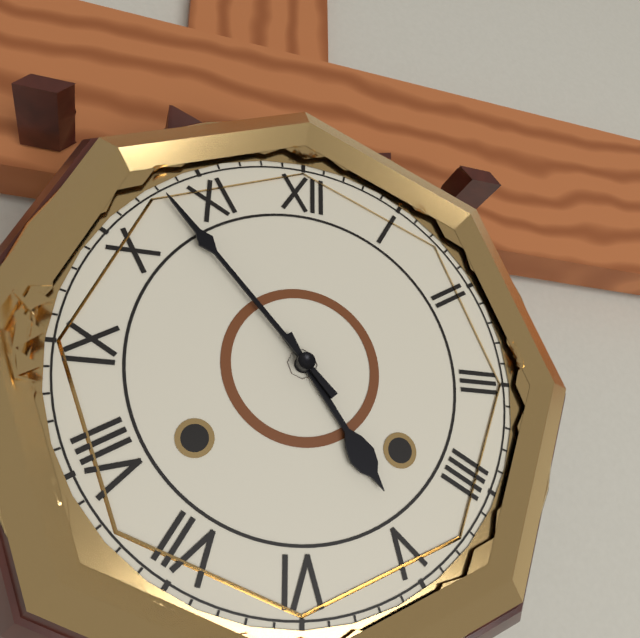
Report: 4:53
